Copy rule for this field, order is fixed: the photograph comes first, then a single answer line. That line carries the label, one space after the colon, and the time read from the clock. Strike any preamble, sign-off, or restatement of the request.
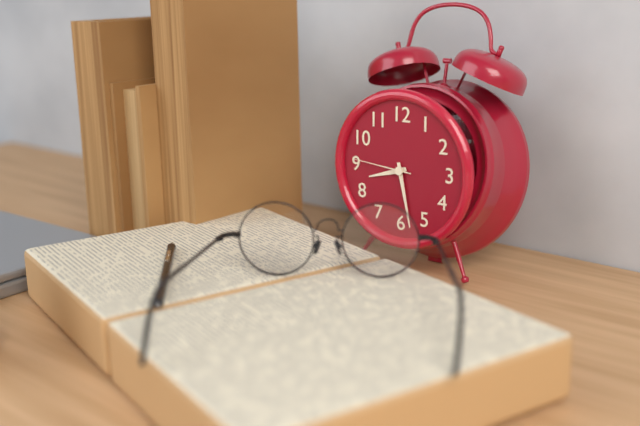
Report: 8:28:46
